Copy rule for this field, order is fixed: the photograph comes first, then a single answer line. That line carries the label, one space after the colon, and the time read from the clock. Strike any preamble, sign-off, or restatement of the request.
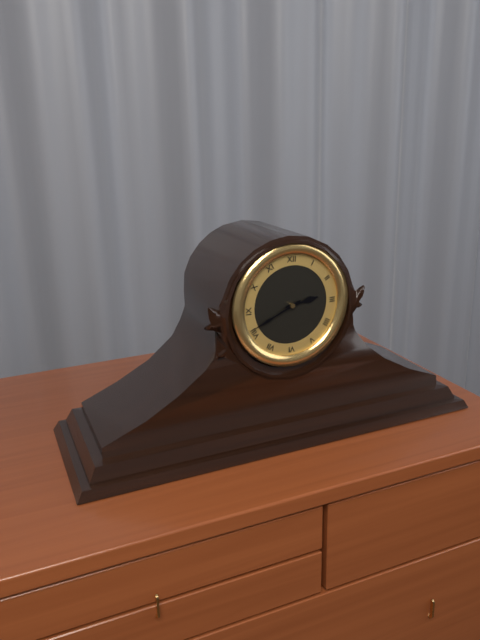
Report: 2:41
